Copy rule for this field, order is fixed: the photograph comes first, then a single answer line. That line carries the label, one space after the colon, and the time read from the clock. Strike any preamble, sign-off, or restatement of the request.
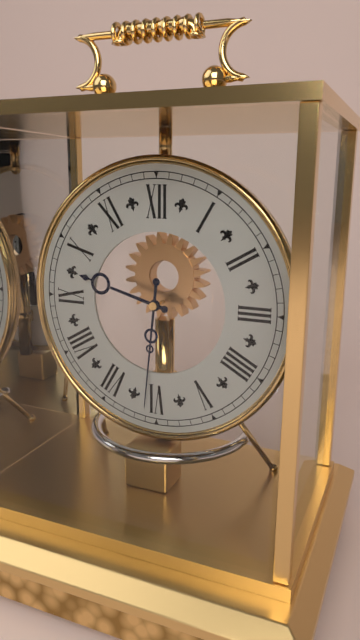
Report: 9:31
